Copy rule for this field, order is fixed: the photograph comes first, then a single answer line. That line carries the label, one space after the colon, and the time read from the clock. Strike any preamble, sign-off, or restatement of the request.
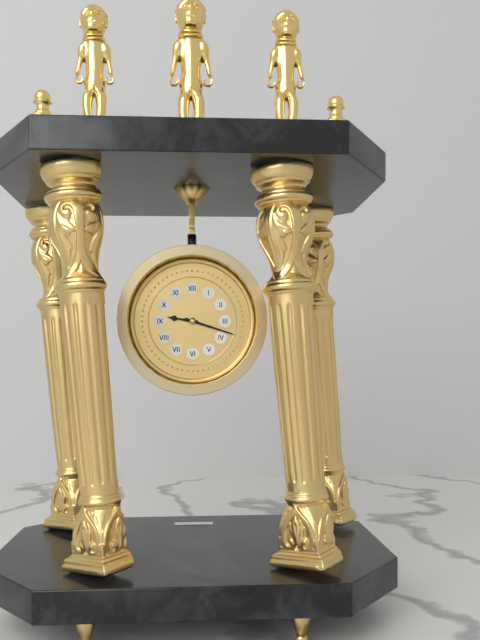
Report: 9:18
